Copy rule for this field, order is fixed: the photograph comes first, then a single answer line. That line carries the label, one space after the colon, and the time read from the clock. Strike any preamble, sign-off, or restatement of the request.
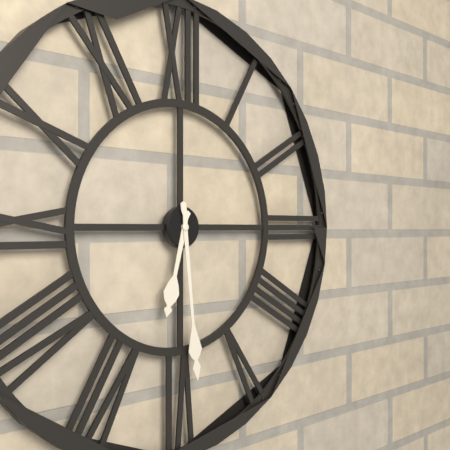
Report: 6:29
